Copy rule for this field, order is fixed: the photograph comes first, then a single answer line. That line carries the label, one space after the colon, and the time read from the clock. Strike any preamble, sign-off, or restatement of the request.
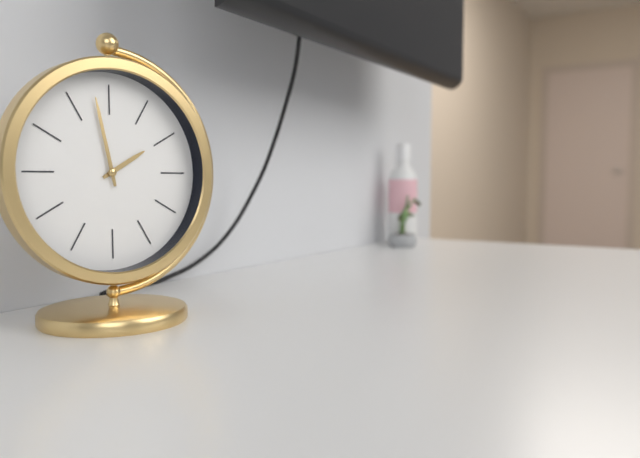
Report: 1:58
